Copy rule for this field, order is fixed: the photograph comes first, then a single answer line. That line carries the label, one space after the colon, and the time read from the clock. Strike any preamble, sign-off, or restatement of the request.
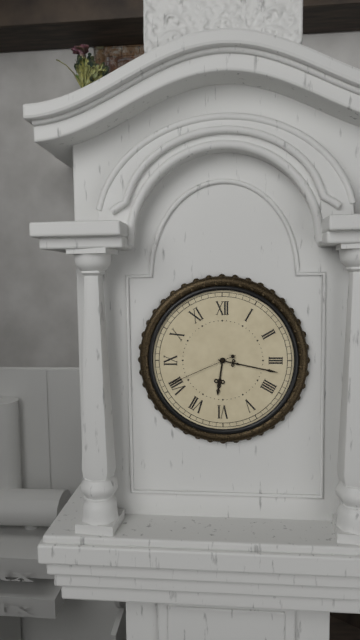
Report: 6:17:41
